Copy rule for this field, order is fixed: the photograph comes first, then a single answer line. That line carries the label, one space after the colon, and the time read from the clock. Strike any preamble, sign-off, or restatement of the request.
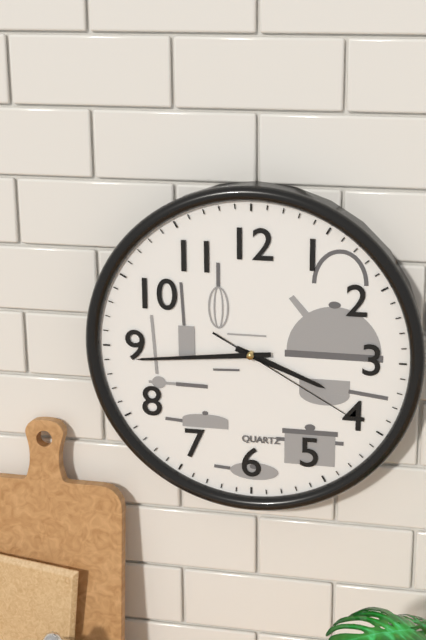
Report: 3:44:20
